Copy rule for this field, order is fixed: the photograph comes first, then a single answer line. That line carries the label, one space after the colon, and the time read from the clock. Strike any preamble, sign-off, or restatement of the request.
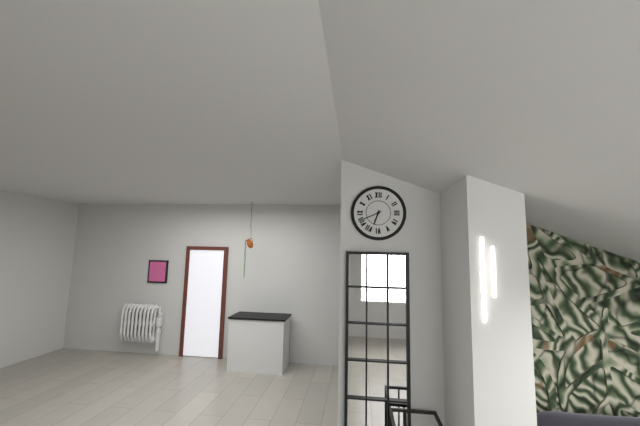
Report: 6:41
